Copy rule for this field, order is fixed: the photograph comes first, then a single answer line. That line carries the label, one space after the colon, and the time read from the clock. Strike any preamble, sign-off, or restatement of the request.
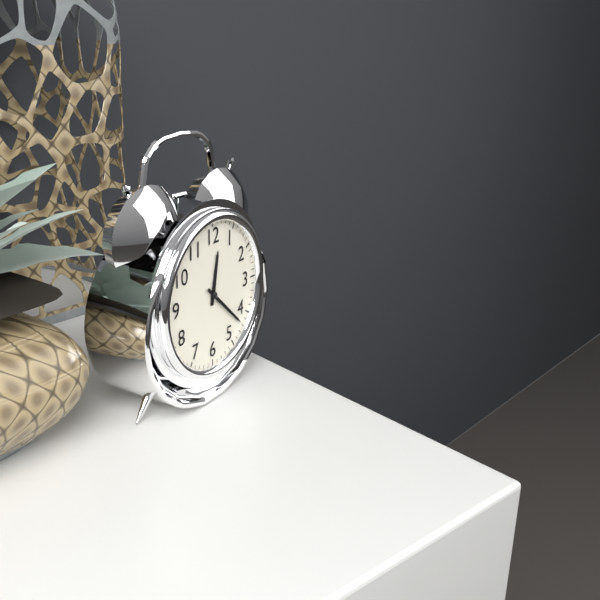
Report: 12:22
